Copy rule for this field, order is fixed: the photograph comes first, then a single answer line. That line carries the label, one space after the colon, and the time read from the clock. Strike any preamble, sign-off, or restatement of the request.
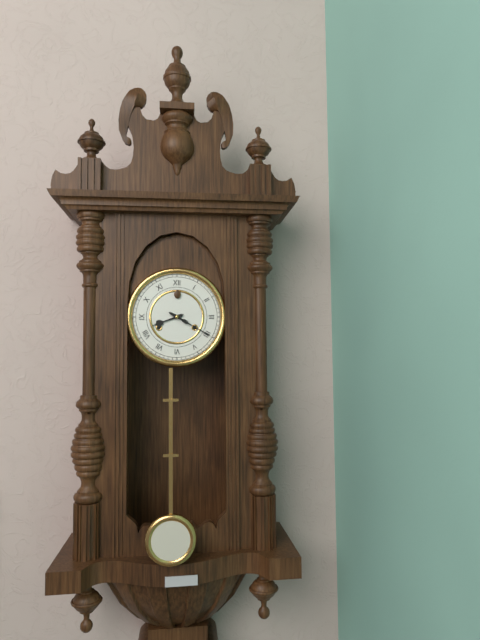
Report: 8:20
